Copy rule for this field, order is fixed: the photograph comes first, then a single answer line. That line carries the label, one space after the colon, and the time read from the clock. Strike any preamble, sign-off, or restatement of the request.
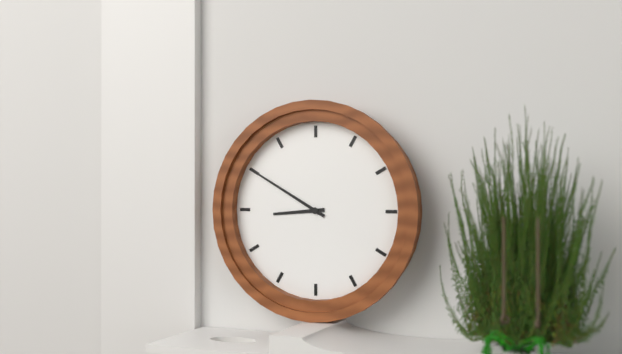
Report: 8:50
